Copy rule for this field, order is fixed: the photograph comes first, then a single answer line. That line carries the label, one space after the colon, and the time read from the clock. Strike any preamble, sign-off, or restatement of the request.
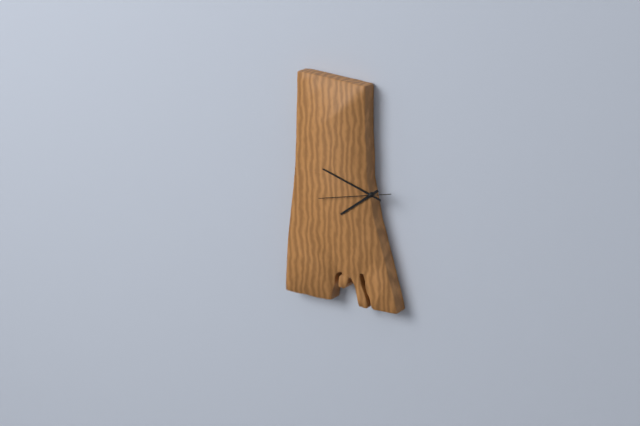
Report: 7:48:43
